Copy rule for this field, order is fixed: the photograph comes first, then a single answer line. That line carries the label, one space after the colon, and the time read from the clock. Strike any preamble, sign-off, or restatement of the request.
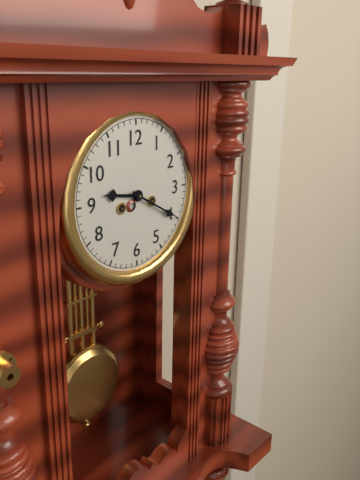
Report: 9:20
